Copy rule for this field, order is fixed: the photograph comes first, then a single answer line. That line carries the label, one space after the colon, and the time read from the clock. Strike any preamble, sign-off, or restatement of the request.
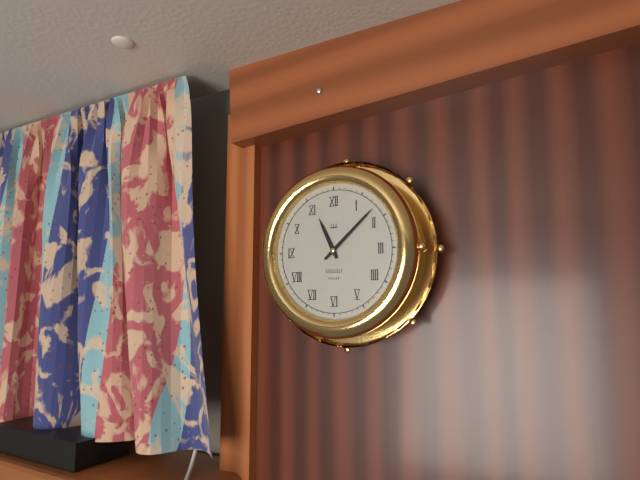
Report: 11:08
